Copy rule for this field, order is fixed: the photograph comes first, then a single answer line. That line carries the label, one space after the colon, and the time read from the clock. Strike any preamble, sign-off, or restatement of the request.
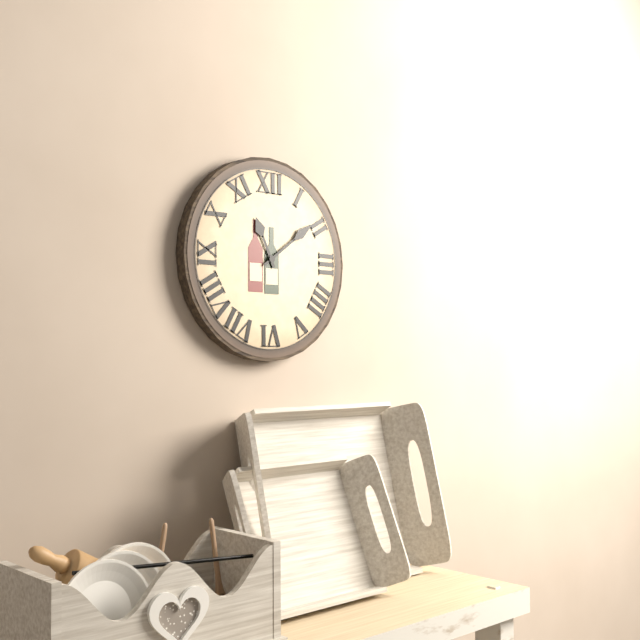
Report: 11:09
